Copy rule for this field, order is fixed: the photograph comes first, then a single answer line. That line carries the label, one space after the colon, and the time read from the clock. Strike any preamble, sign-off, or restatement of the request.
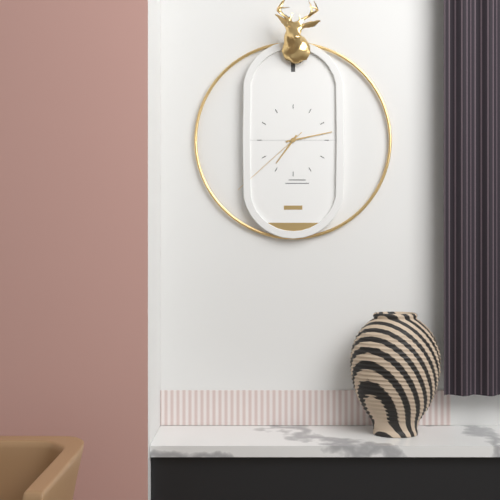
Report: 7:13:38
